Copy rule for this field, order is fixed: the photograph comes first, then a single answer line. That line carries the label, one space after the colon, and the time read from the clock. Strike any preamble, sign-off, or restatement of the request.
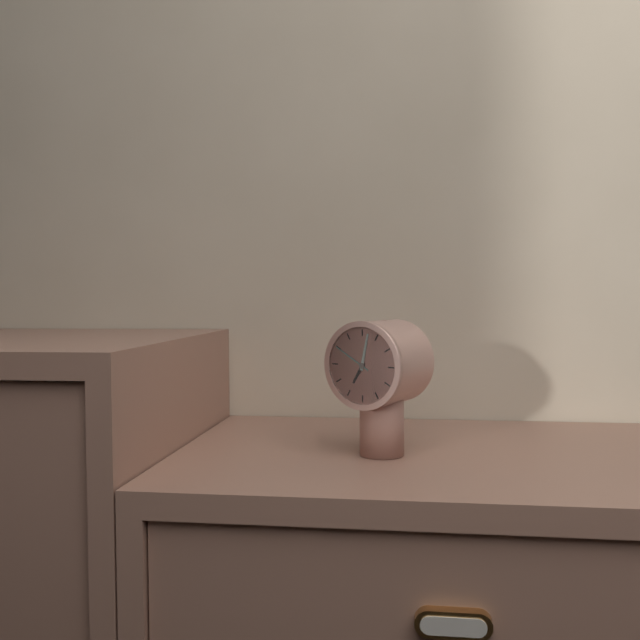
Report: 7:02
